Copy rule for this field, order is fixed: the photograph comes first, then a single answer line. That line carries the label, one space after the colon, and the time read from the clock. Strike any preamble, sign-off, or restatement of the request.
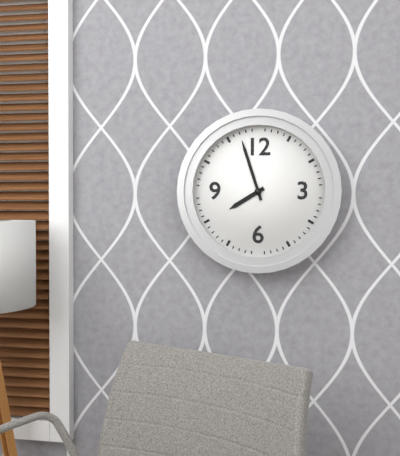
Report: 7:57
